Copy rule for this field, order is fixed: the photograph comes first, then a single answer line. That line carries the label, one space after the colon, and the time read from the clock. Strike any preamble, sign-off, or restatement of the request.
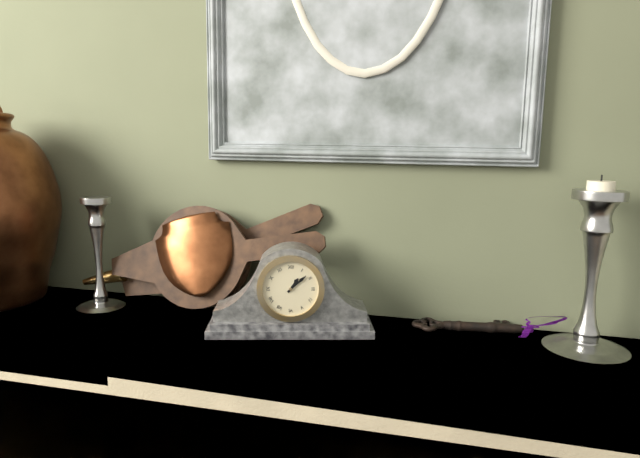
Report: 1:08
